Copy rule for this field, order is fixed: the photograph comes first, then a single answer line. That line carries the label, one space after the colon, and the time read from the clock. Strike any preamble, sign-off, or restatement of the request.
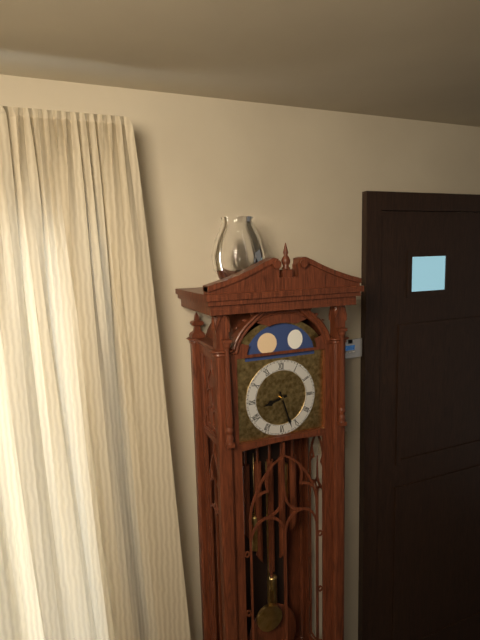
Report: 8:27
